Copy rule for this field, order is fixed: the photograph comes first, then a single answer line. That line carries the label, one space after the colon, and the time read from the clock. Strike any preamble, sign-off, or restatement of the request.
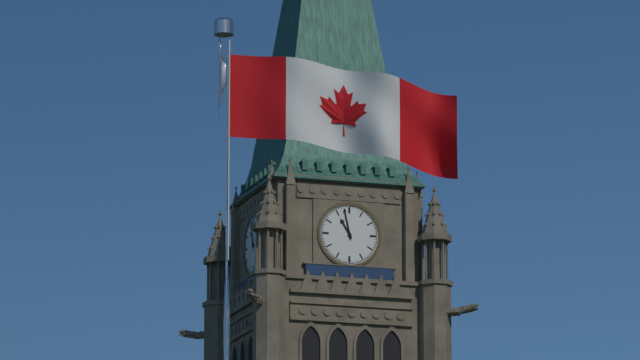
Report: 10:58
